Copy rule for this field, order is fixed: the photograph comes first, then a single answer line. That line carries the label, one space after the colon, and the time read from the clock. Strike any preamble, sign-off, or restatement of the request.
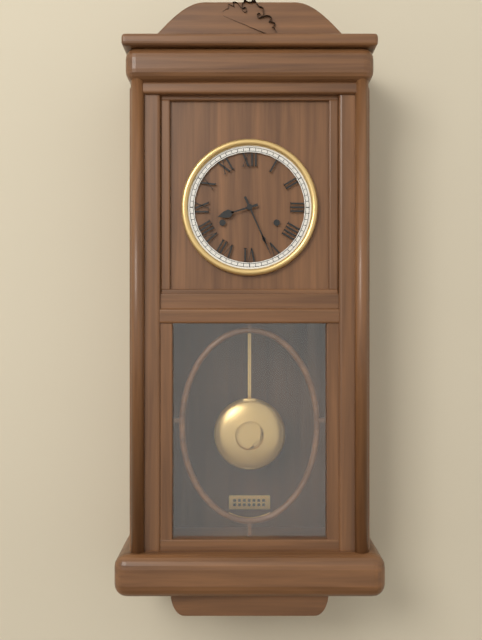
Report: 8:26
